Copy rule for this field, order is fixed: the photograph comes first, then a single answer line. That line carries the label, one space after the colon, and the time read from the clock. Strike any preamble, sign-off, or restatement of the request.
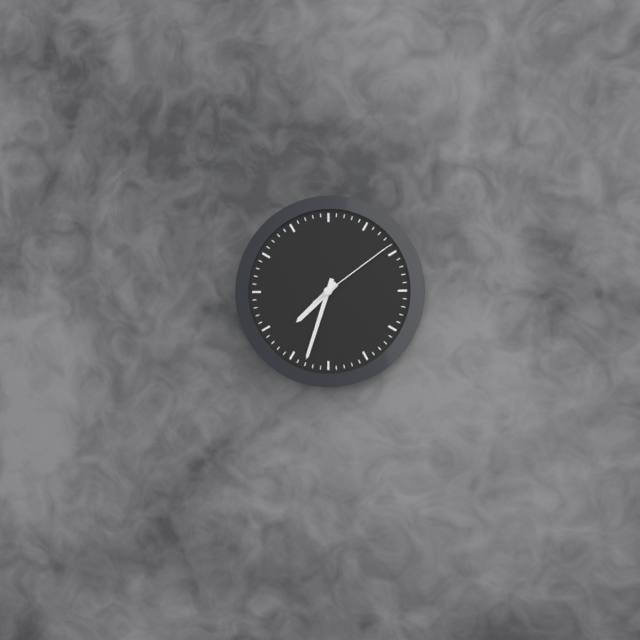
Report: 7:33:09
